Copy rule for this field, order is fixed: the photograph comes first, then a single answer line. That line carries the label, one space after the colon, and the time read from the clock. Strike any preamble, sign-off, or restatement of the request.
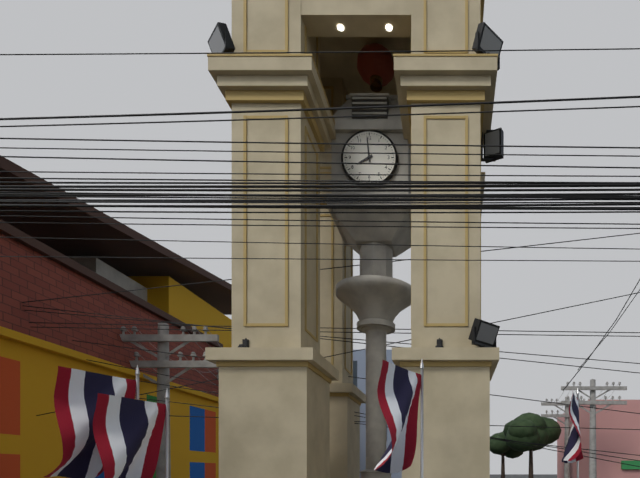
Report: 7:59
